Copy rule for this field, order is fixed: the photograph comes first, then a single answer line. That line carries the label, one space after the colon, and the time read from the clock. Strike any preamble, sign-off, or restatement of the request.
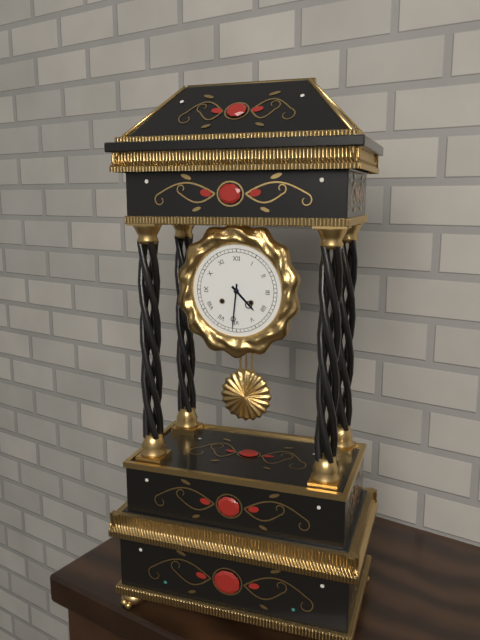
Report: 4:31
